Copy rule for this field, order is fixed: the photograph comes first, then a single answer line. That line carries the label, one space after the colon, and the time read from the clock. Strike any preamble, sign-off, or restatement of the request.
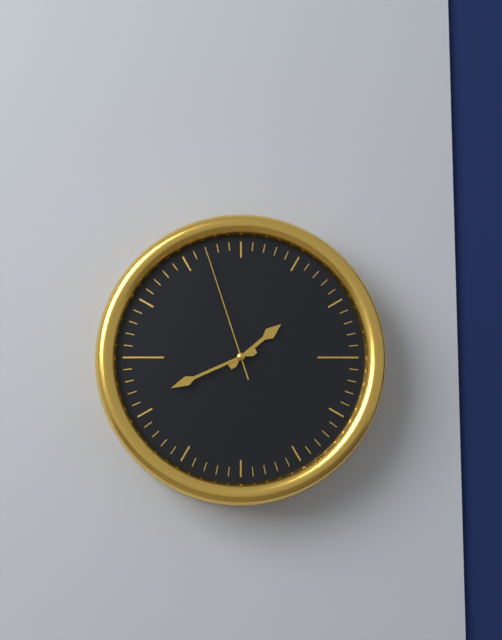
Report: 1:41:57
